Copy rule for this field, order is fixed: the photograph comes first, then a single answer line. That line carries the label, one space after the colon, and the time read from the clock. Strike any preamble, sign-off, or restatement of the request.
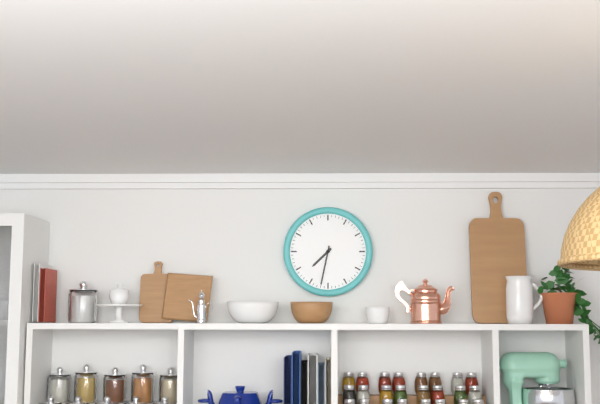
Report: 7:32
